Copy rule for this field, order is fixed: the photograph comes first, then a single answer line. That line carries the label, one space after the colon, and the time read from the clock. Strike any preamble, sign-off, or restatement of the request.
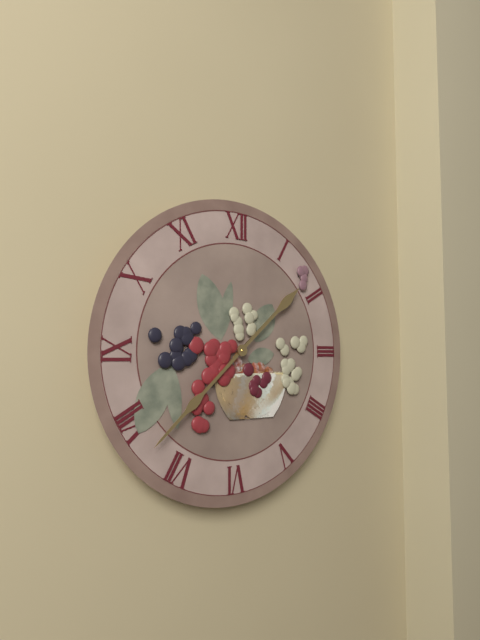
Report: 1:38
